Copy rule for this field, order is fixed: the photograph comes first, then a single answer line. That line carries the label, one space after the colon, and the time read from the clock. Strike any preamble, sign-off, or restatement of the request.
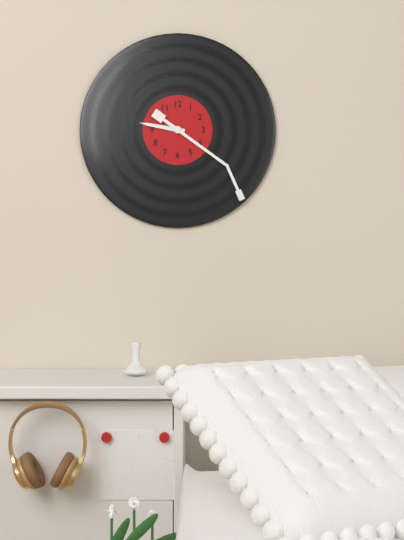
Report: 9:21
